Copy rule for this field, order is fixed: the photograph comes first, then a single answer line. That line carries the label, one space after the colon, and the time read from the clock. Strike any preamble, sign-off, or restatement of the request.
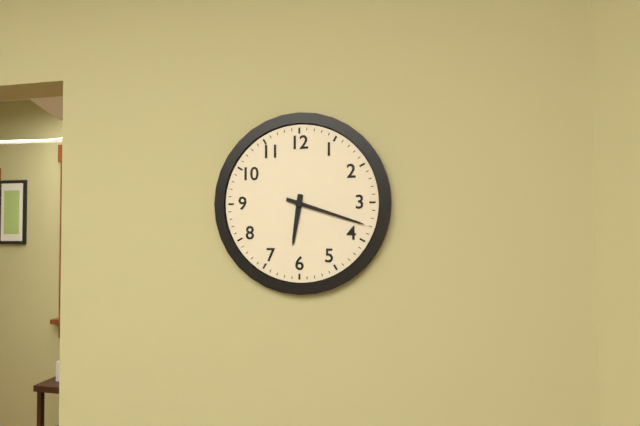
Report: 6:18
